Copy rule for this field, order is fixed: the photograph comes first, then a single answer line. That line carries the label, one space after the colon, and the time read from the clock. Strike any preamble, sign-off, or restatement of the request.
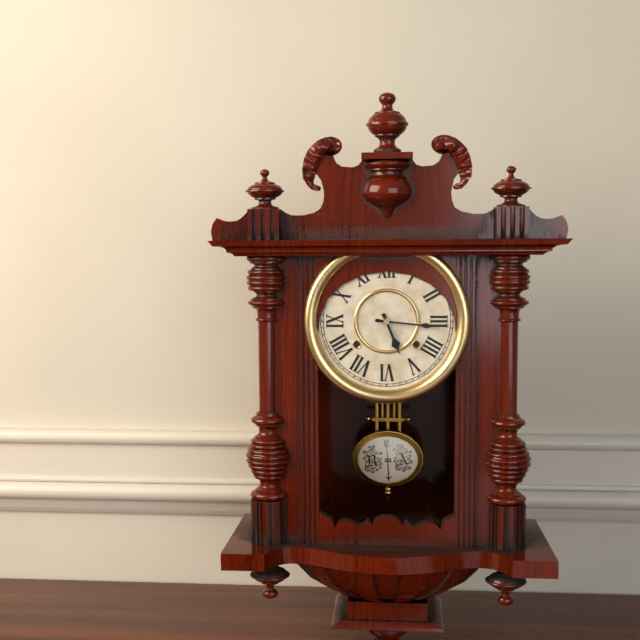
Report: 5:16
